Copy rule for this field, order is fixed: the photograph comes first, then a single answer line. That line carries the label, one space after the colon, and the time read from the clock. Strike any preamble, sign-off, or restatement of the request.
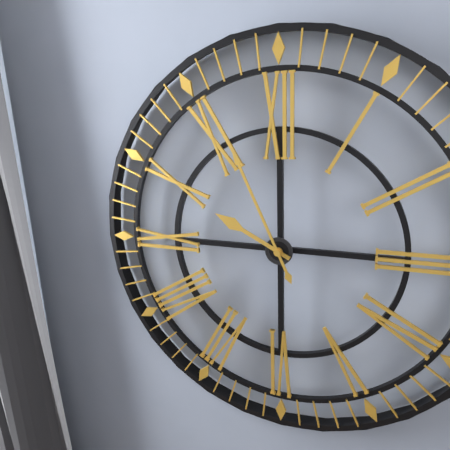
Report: 9:56
